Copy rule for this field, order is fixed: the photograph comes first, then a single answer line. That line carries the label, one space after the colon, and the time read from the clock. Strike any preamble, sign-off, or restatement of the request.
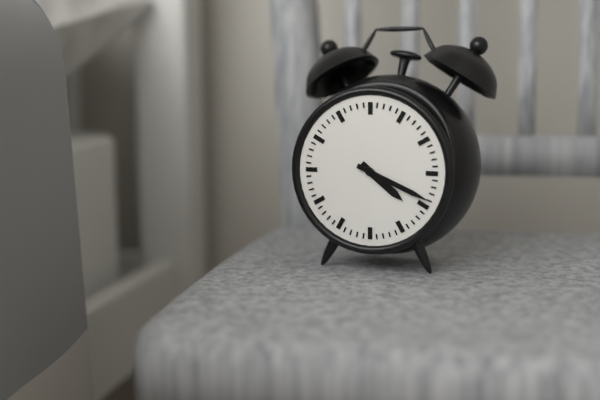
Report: 4:19
